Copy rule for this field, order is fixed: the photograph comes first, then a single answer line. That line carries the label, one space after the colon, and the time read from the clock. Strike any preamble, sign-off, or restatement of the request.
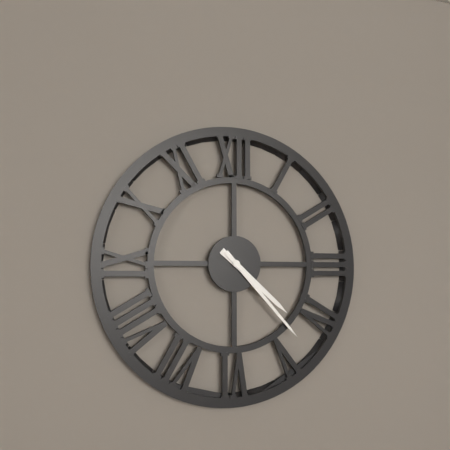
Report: 4:23
